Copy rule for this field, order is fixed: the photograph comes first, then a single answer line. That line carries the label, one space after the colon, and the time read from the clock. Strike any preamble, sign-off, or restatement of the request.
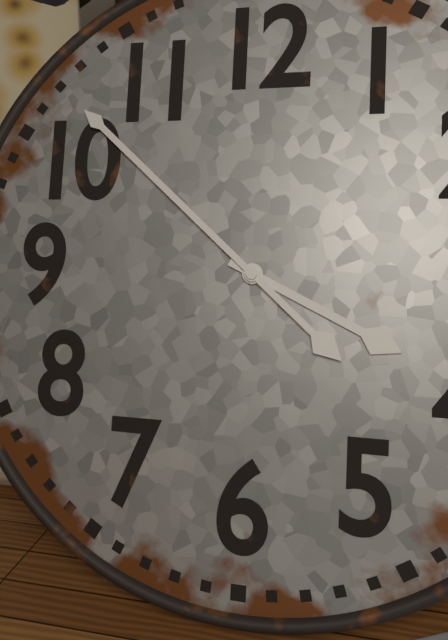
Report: 3:52
